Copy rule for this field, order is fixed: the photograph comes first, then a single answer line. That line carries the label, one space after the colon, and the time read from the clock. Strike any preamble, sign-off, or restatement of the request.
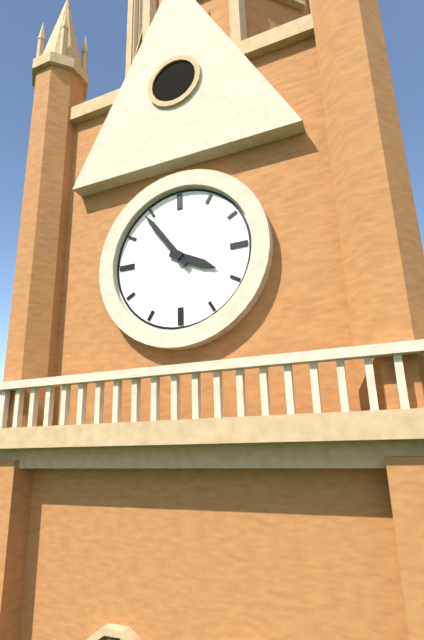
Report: 3:54
